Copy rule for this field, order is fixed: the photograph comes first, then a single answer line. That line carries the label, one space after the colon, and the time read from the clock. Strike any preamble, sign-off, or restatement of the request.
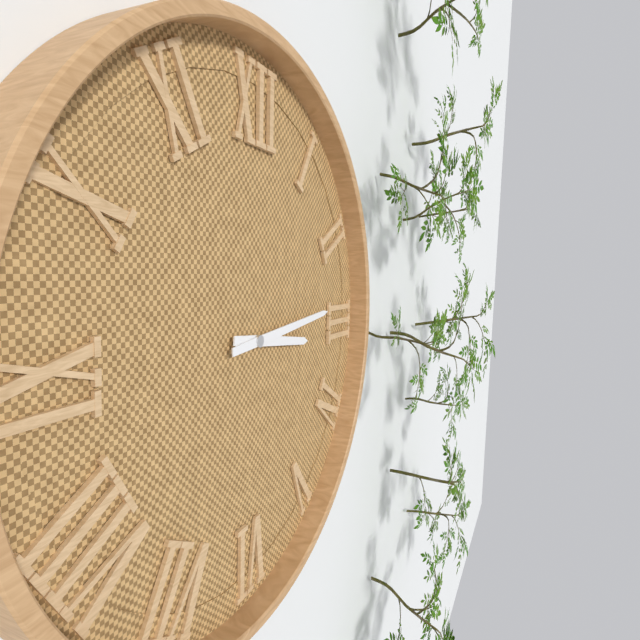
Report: 3:14
